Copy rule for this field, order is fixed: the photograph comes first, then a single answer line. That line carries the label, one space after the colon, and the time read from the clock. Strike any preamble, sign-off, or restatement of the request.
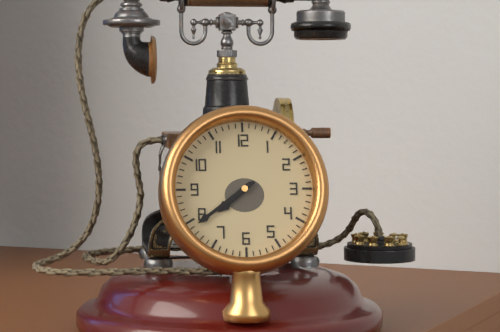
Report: 7:39
